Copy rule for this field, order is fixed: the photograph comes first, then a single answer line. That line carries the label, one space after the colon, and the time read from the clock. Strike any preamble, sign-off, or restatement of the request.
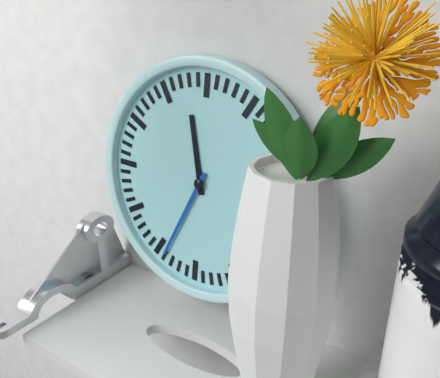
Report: 11:34
